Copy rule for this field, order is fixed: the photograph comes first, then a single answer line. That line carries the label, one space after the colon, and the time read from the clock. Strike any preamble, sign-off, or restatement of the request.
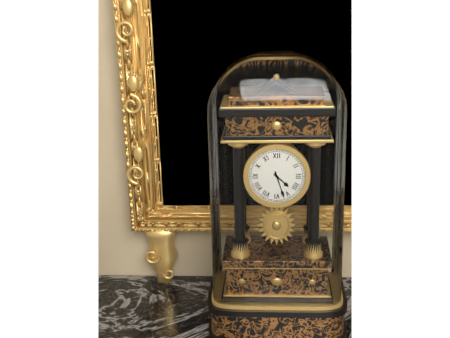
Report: 4:27
